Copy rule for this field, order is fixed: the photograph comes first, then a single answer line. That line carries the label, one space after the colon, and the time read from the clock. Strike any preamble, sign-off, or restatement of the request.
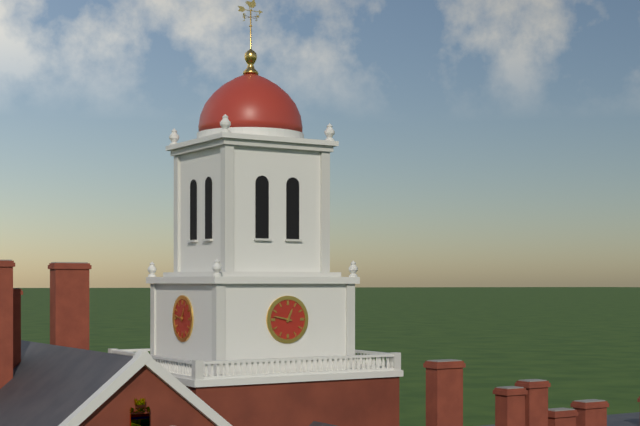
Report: 12:47
